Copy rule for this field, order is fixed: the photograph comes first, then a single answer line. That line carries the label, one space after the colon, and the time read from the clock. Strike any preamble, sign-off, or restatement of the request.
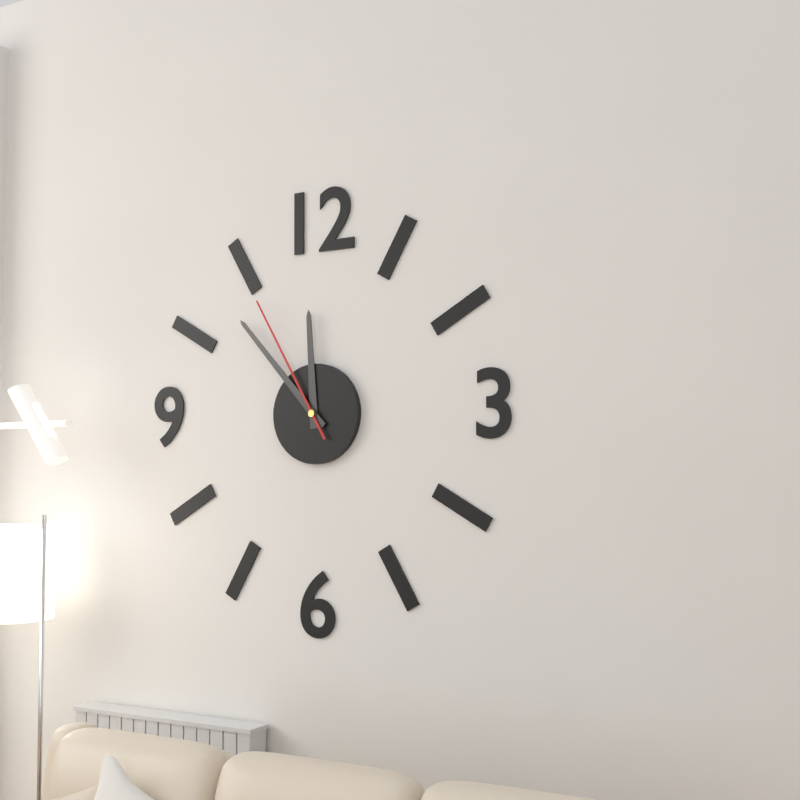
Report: 11:53:55
